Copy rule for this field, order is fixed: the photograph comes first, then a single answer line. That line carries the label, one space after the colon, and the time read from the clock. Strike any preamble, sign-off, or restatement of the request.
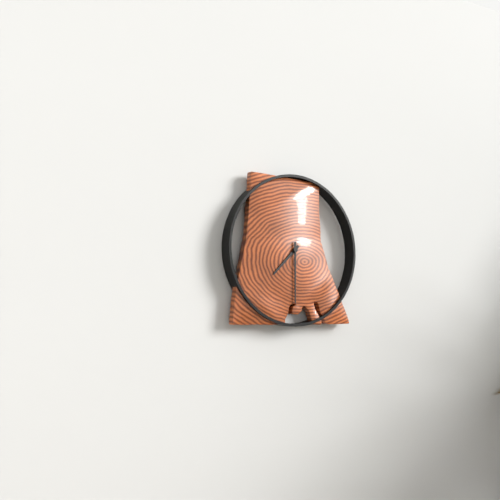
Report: 7:30
